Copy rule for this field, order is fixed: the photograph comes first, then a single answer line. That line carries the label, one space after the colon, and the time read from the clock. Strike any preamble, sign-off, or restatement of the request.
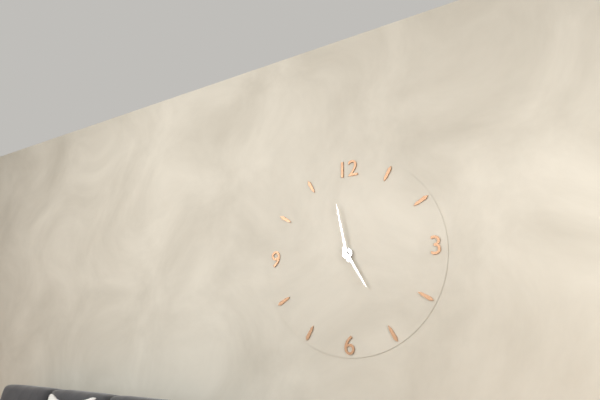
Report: 4:58
